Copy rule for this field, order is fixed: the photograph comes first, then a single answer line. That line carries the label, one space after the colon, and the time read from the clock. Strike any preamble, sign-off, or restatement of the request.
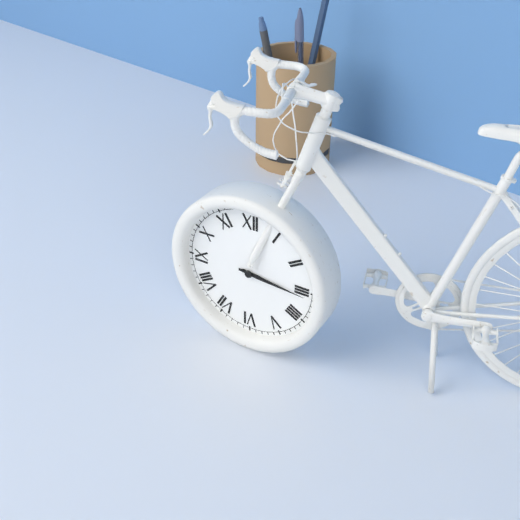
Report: 3:16
